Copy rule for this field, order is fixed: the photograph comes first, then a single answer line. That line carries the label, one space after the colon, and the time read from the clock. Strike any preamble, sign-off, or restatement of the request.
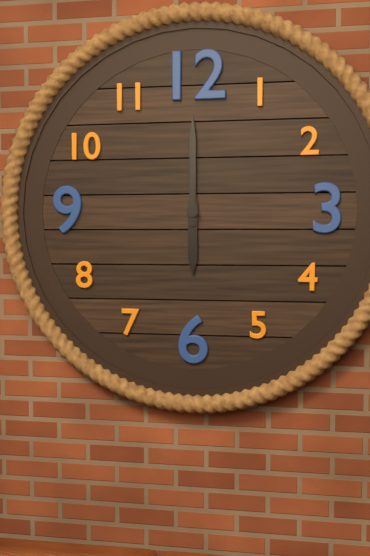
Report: 6:00
